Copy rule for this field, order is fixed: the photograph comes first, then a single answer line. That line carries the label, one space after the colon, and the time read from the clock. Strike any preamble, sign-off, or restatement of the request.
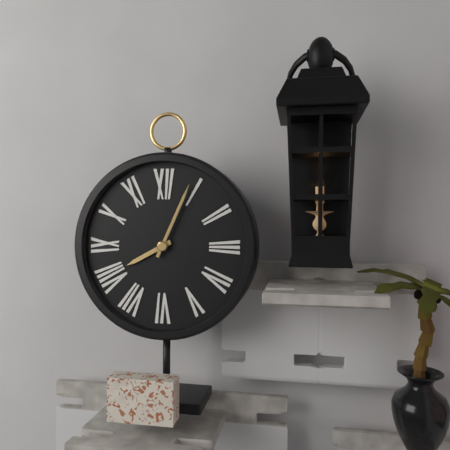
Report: 8:04
